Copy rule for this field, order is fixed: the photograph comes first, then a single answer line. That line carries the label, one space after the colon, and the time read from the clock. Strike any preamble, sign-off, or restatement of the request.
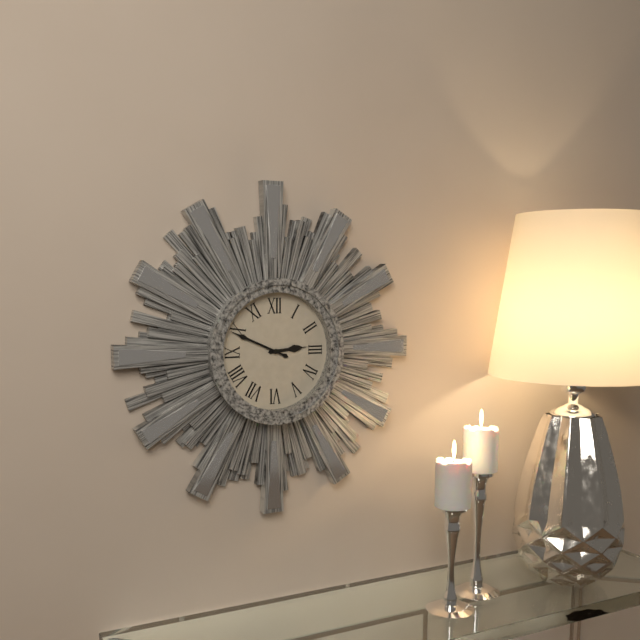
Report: 2:49
